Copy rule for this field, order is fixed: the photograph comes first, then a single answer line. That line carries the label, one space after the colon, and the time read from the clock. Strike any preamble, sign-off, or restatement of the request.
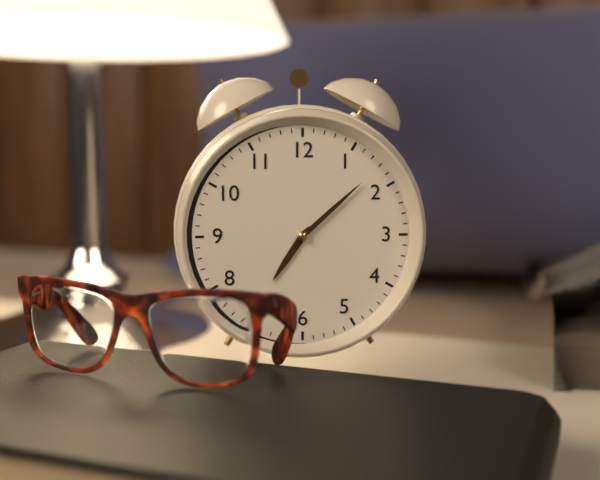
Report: 7:08
